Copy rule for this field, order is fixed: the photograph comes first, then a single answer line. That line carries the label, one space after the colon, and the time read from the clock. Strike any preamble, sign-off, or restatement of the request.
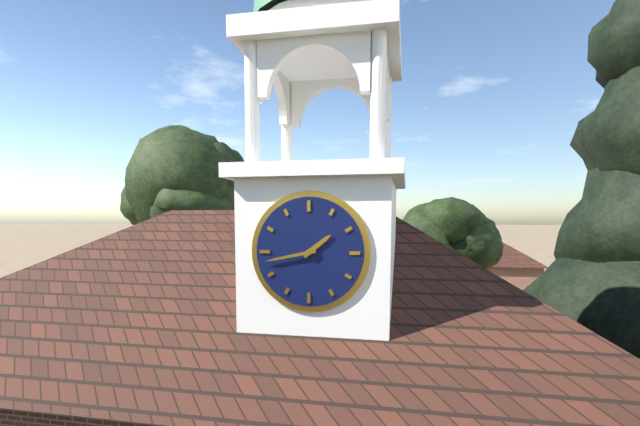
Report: 1:43
